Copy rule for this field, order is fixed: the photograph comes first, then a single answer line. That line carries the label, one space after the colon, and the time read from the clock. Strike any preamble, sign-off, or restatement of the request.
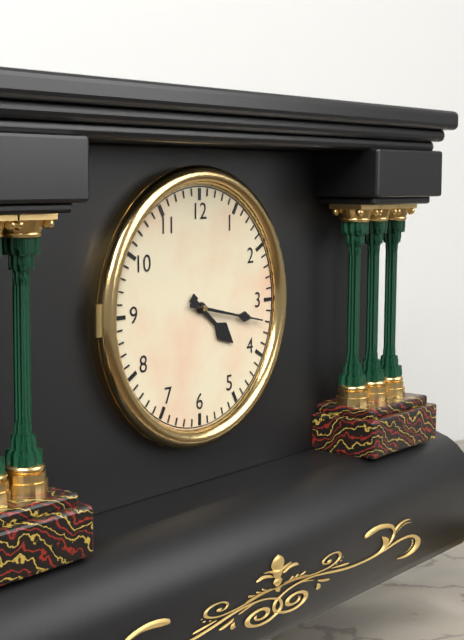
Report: 4:17
